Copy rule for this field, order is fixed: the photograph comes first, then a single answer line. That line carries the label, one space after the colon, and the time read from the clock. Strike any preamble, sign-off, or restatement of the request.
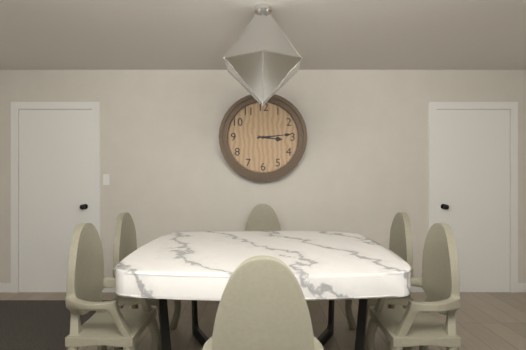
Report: 3:14
